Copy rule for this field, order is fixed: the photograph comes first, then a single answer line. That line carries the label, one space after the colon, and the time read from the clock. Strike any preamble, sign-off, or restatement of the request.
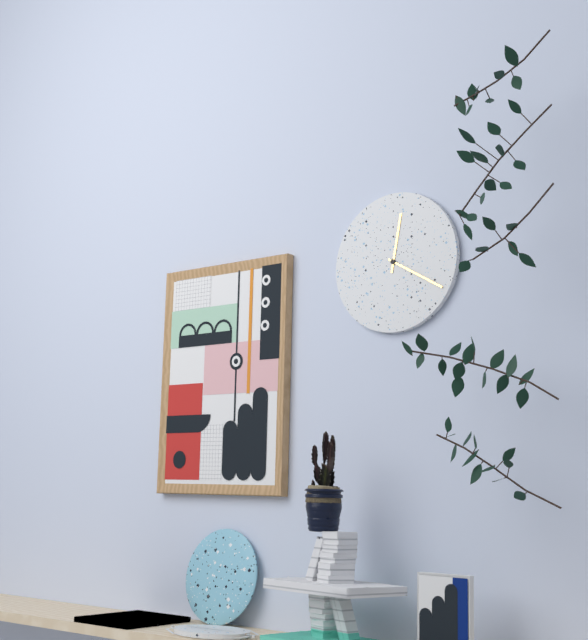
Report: 12:20
